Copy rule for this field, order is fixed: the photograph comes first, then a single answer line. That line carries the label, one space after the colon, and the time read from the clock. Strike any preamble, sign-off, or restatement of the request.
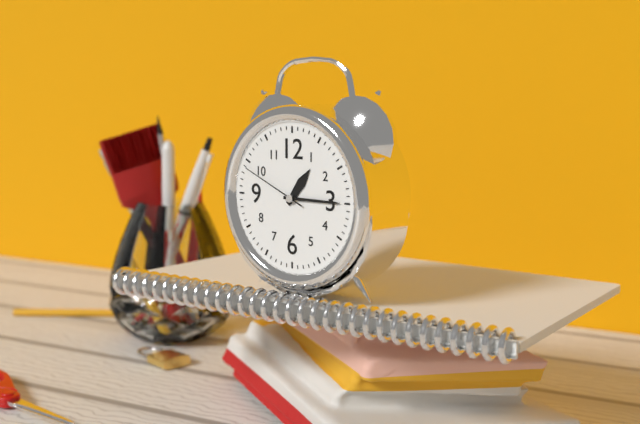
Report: 1:15:49
